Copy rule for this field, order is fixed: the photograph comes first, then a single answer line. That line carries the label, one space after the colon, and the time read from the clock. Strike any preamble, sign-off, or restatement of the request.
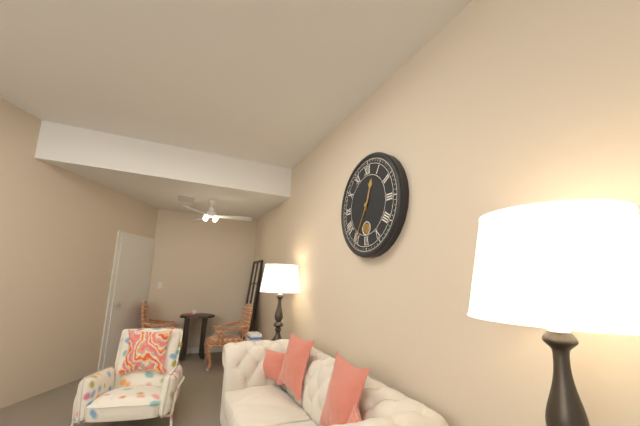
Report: 12:35
